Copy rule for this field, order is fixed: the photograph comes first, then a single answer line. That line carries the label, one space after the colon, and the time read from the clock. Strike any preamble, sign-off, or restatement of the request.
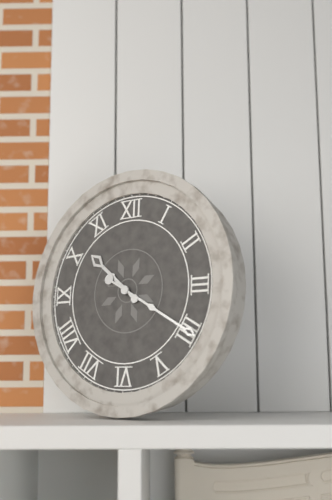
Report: 10:20
